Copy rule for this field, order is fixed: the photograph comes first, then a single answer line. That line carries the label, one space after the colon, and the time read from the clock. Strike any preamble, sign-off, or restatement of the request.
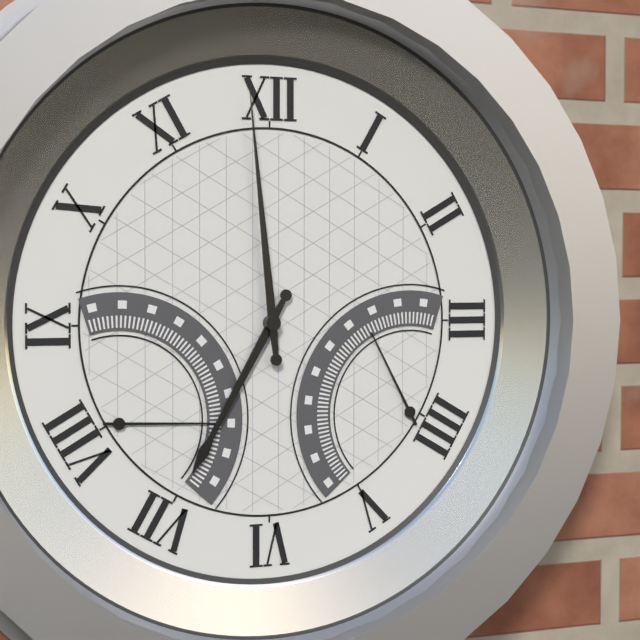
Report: 6:59
